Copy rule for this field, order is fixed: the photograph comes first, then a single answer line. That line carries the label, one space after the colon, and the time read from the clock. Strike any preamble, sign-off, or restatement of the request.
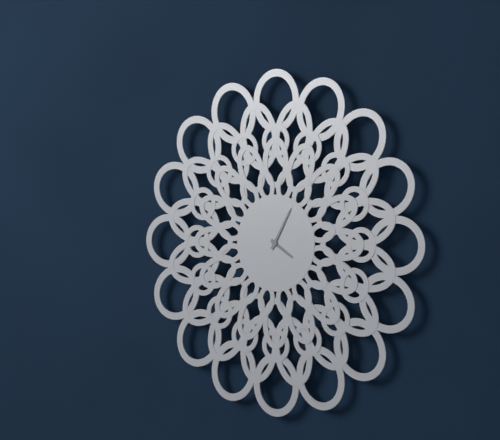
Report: 4:05
